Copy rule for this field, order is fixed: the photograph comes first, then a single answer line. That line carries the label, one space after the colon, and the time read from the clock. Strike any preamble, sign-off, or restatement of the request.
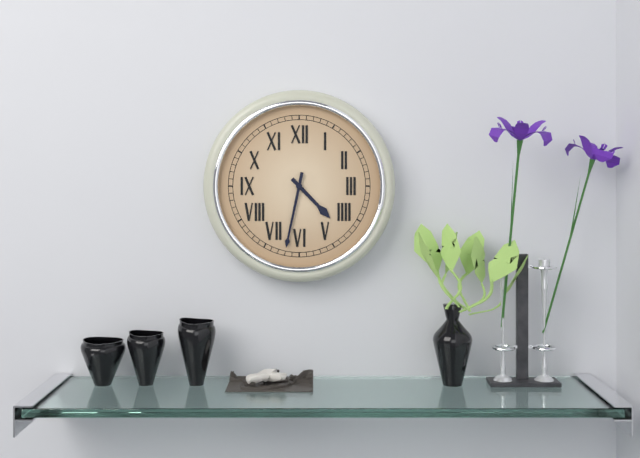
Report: 4:32
